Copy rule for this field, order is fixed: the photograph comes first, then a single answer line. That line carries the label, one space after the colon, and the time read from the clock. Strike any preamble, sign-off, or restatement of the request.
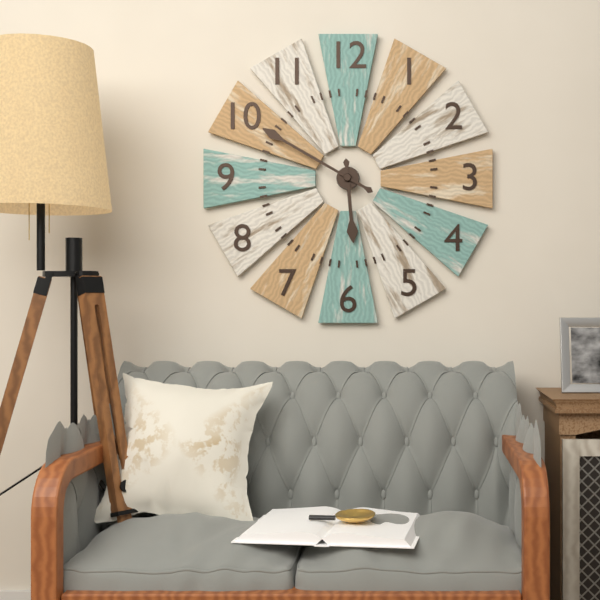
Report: 5:50
